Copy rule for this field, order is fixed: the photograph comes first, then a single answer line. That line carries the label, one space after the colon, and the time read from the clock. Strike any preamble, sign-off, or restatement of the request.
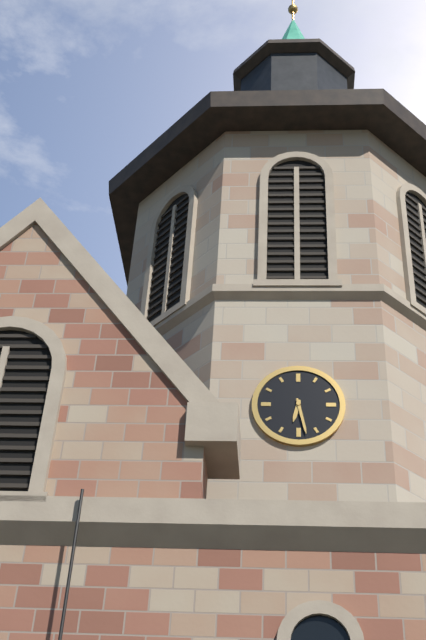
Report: 6:28
